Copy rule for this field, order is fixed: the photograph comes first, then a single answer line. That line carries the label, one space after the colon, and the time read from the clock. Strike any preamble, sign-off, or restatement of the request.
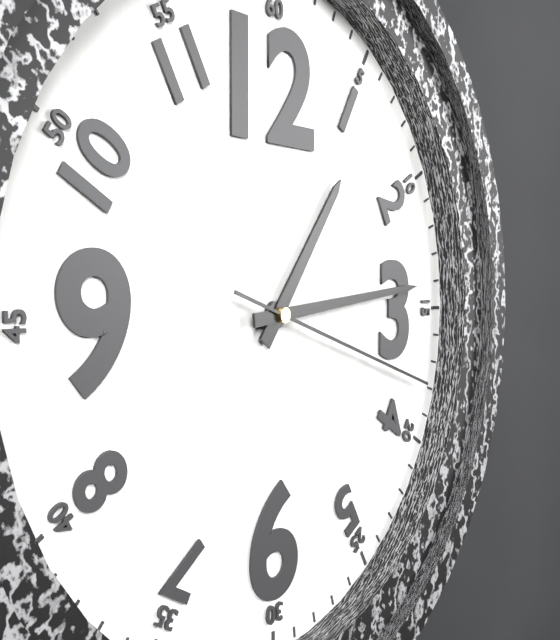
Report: 1:14:18
